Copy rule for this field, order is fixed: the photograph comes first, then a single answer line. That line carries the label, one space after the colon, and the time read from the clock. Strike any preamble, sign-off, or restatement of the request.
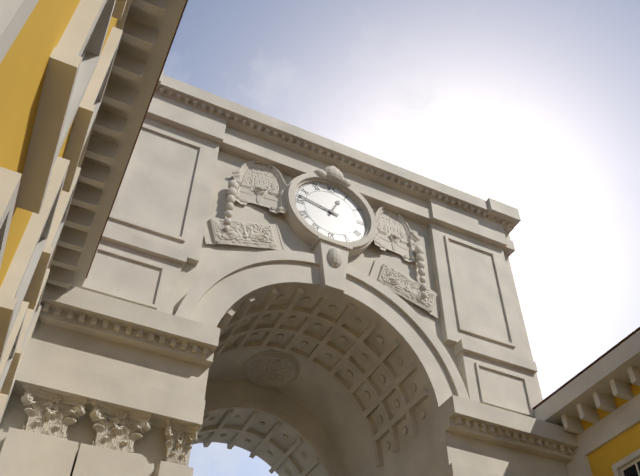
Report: 12:47
